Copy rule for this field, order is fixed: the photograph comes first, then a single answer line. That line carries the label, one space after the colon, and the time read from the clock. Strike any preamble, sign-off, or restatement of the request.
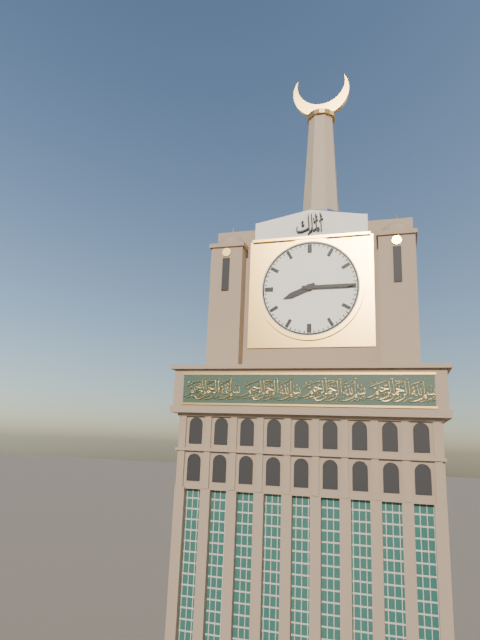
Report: 8:15
